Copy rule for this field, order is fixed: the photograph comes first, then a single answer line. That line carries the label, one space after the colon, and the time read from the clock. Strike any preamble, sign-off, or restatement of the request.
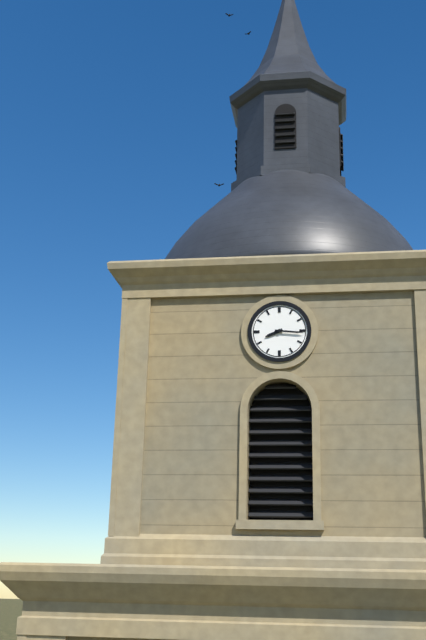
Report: 8:16
